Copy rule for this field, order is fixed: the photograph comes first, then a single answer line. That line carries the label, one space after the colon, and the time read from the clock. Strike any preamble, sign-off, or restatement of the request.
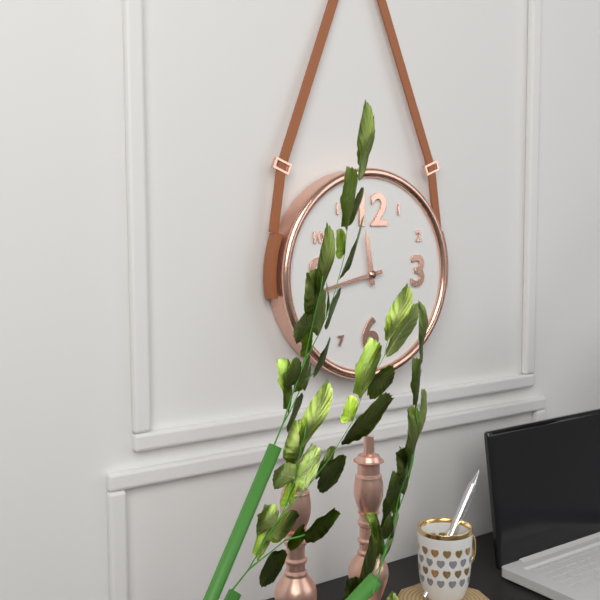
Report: 11:43
